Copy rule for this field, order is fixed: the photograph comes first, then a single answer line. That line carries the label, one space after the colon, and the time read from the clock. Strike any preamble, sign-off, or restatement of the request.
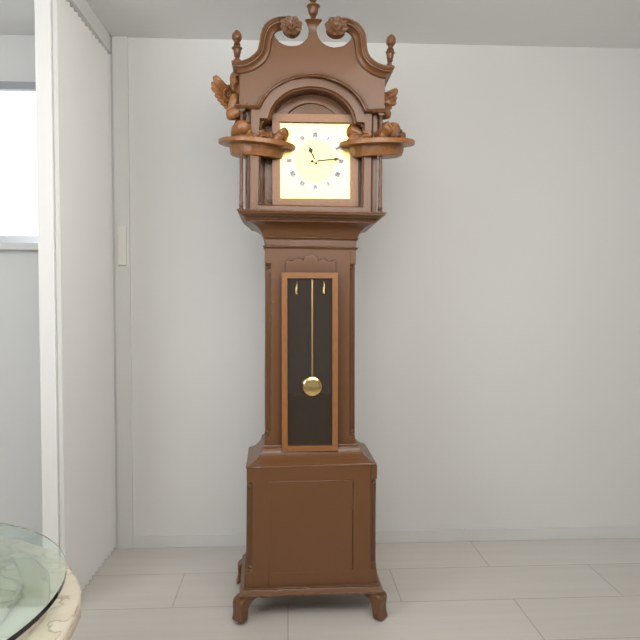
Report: 11:14
